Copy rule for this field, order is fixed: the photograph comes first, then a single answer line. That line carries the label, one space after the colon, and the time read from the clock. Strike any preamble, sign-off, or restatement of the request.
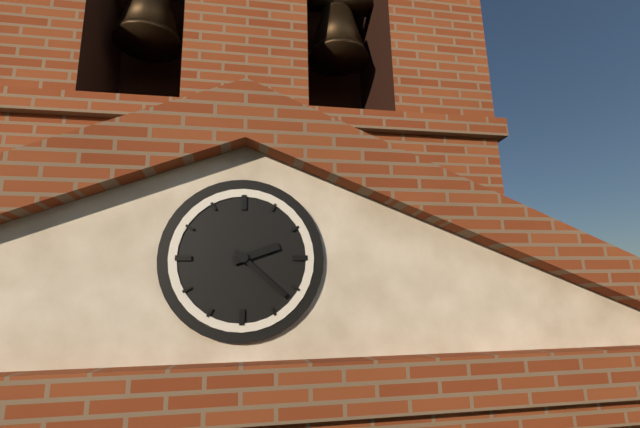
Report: 2:22
